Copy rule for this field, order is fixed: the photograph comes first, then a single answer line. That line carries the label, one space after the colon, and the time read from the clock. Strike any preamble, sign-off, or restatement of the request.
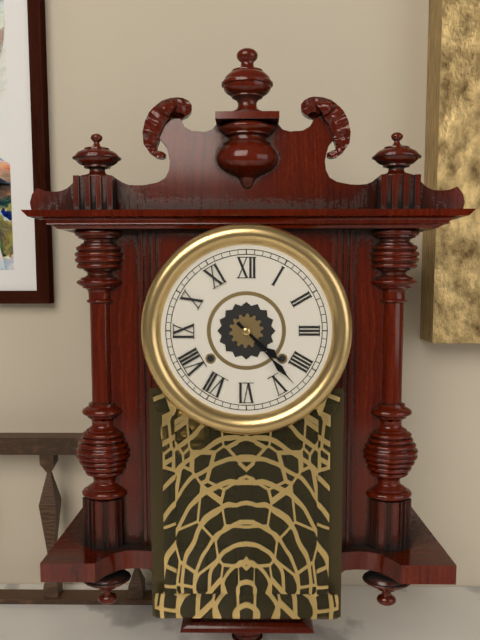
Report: 4:23
